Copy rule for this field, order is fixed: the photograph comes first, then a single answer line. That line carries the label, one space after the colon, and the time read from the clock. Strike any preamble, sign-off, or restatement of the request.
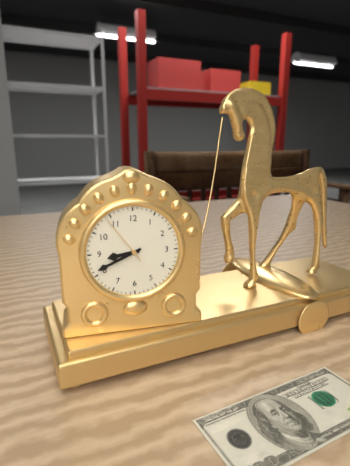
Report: 8:41:54
